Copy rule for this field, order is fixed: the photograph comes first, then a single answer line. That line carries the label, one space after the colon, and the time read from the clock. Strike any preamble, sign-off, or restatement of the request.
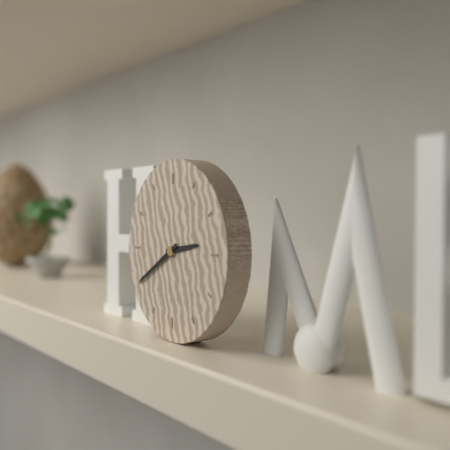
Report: 2:40
